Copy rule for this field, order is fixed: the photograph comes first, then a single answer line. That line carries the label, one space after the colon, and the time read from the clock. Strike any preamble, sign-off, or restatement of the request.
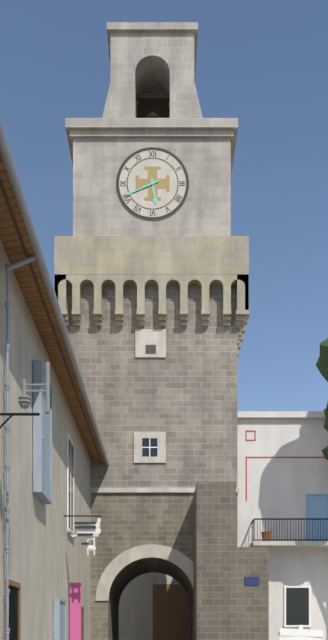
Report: 5:41
